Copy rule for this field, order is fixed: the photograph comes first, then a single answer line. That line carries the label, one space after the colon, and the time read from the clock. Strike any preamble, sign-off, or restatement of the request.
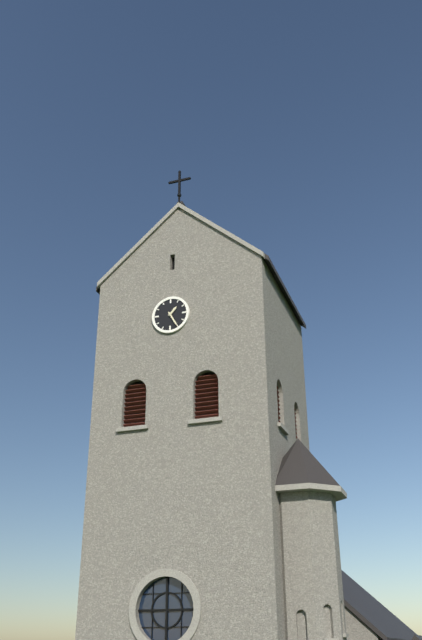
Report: 1:25
